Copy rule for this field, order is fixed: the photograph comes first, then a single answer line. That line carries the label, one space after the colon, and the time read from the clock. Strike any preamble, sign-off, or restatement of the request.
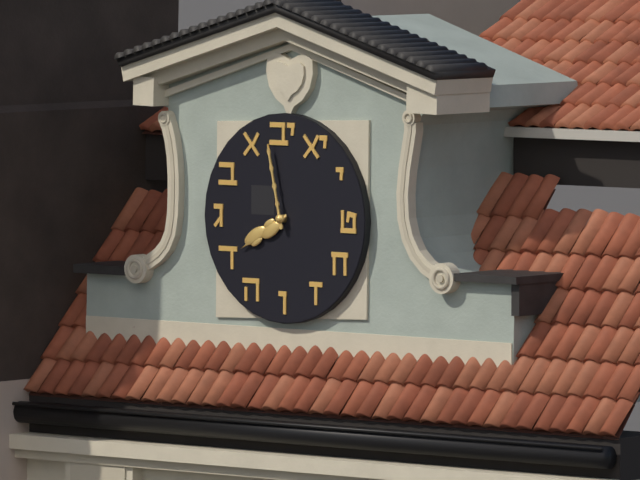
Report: 7:58
